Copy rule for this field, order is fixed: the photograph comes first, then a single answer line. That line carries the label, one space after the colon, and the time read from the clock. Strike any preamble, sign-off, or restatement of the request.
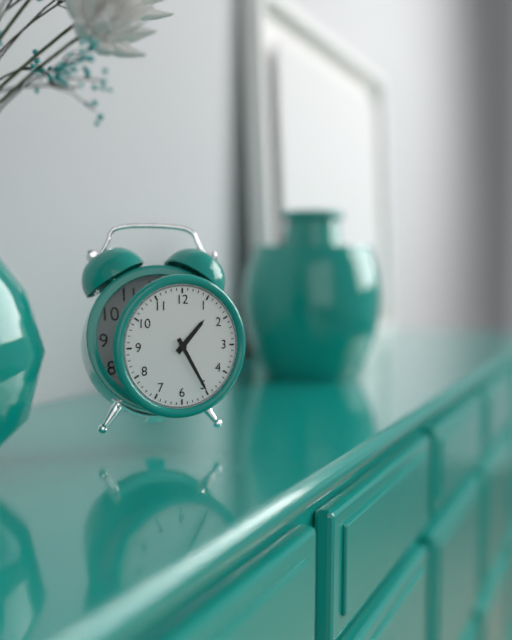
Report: 1:25
